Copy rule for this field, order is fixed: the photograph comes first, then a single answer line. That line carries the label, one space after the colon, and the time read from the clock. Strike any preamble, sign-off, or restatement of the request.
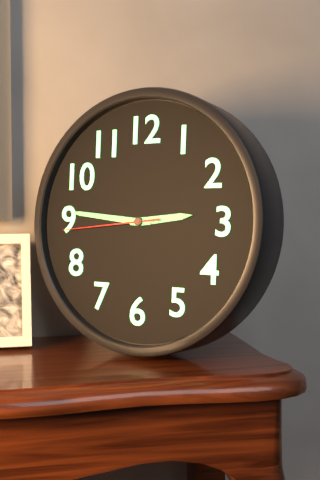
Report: 2:46:44
